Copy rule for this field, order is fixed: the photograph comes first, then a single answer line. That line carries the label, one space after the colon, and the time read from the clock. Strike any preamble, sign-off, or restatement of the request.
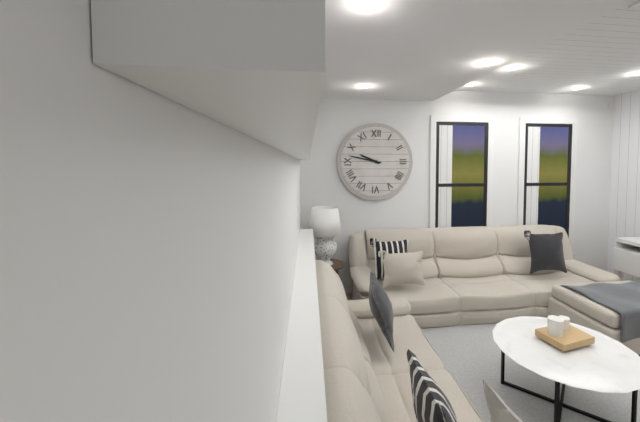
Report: 9:47
